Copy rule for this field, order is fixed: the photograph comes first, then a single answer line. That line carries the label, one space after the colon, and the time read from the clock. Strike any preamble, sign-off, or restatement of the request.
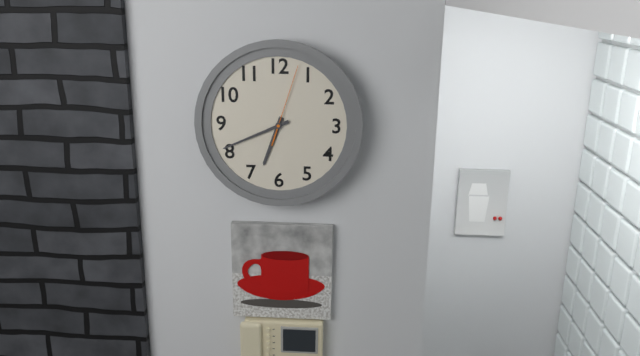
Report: 6:41:03
